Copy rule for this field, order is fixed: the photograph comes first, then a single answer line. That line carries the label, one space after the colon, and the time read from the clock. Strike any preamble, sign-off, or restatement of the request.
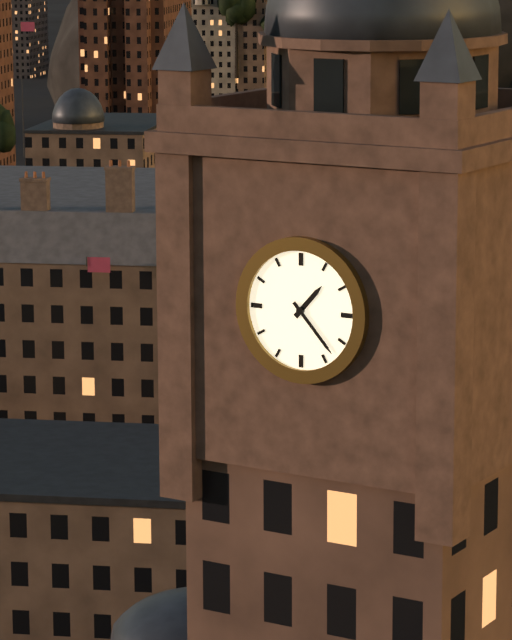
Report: 1:23
